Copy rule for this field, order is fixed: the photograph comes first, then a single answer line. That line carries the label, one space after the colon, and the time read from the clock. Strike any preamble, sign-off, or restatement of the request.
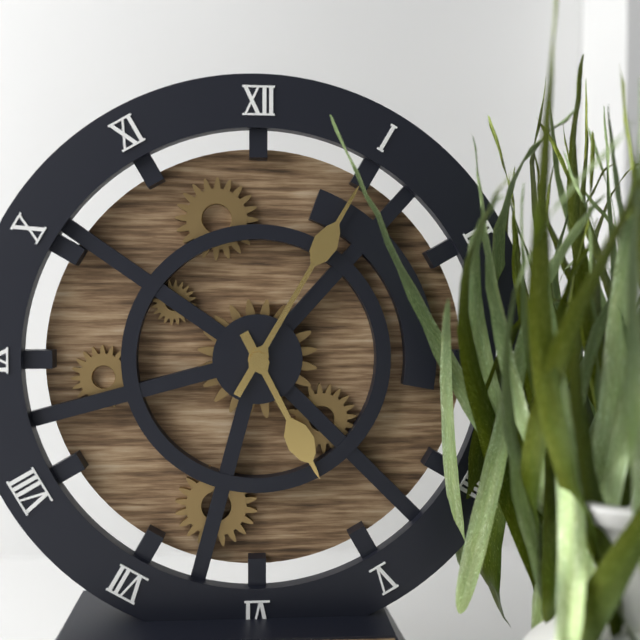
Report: 5:05
